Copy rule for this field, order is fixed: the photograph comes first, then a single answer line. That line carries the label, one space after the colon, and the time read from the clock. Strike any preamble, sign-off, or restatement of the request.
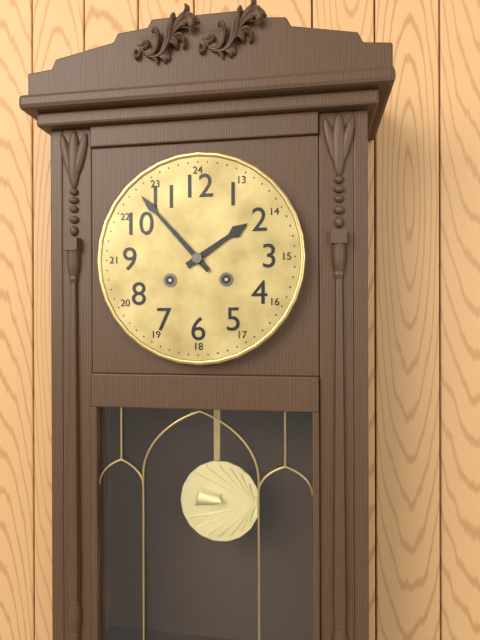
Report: 1:53
